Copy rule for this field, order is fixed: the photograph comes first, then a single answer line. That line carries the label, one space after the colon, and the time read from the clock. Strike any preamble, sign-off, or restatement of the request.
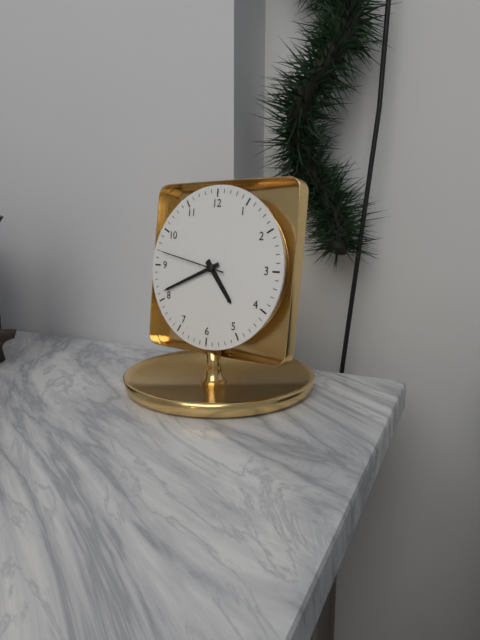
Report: 4:41:47
